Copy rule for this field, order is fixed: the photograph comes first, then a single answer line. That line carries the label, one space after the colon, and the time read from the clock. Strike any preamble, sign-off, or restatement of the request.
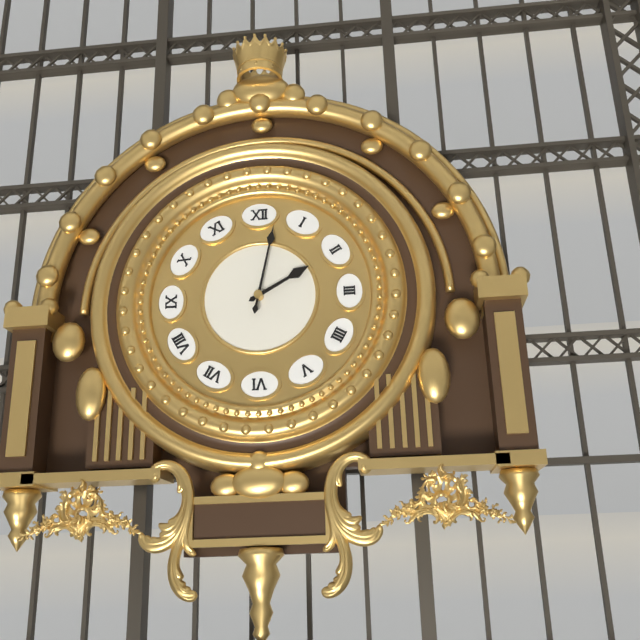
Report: 2:02
